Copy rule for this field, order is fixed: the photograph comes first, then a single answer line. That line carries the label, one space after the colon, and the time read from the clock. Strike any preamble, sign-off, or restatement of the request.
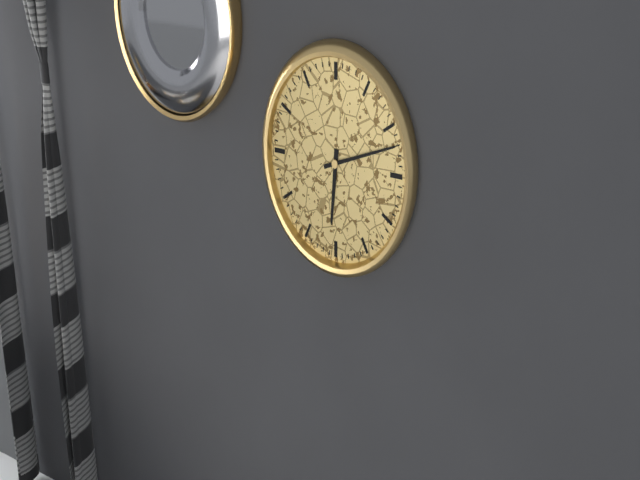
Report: 6:12
